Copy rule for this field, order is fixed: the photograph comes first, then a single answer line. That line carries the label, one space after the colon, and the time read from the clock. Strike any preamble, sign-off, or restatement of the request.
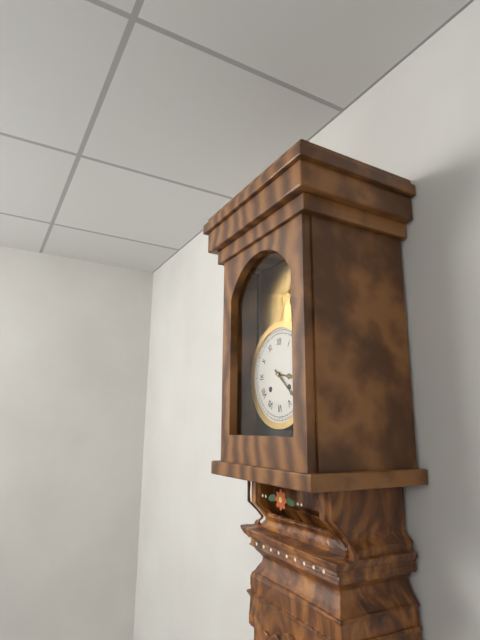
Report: 3:22
